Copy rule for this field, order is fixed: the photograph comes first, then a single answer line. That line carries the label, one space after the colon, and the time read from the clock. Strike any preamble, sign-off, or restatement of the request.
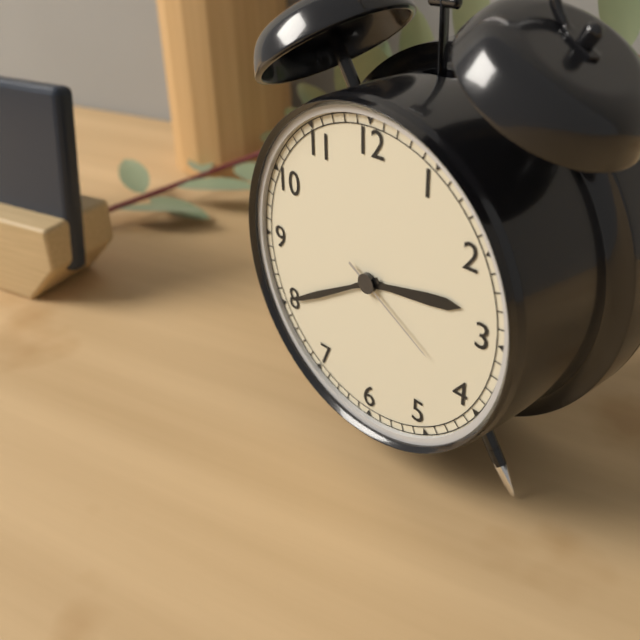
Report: 2:40:20
